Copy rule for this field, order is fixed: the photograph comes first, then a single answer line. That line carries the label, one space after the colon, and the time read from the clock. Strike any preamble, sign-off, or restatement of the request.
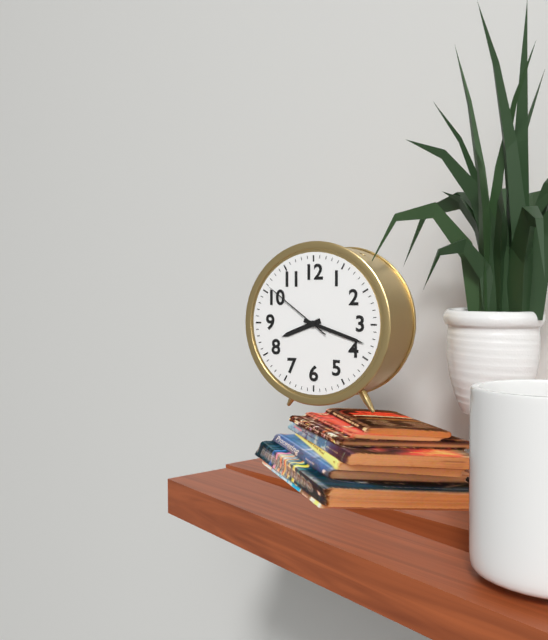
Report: 8:18:51
